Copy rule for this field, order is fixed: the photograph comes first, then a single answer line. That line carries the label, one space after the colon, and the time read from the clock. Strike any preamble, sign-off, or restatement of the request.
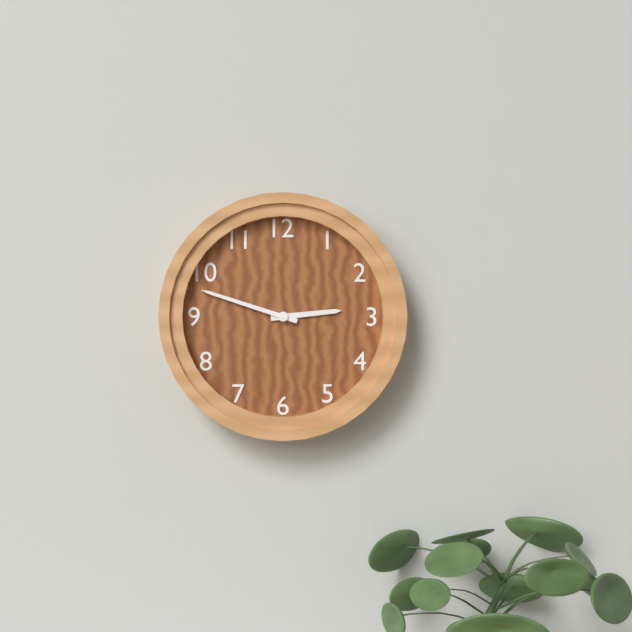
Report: 2:48
